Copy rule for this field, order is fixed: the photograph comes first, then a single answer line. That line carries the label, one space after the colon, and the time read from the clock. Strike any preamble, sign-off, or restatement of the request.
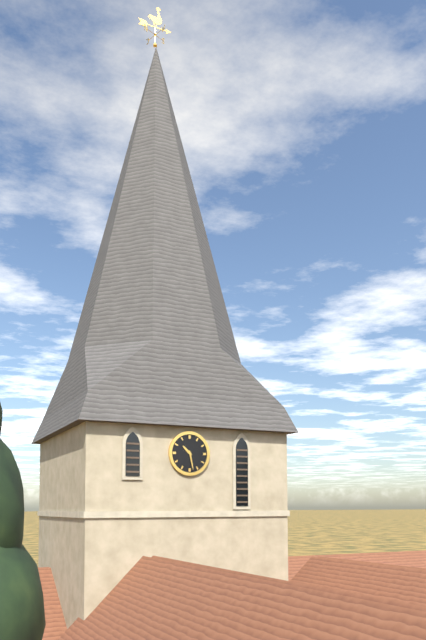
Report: 10:28
